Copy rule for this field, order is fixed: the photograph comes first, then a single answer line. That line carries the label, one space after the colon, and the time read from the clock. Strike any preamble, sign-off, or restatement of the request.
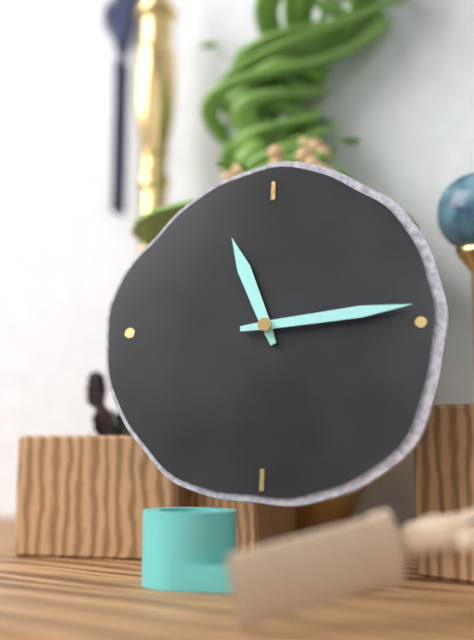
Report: 11:14
